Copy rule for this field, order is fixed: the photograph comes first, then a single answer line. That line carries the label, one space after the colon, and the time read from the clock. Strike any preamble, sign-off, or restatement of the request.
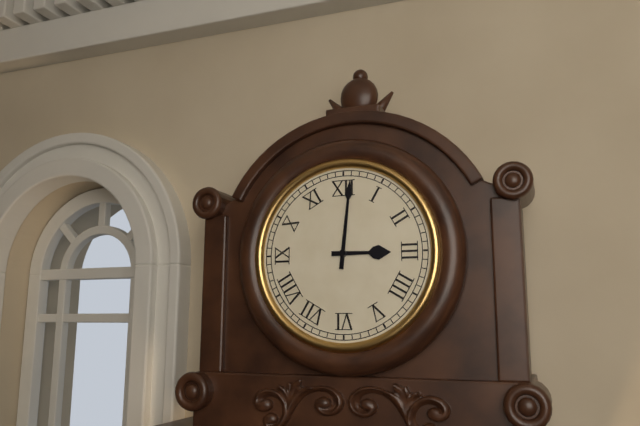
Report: 3:01
